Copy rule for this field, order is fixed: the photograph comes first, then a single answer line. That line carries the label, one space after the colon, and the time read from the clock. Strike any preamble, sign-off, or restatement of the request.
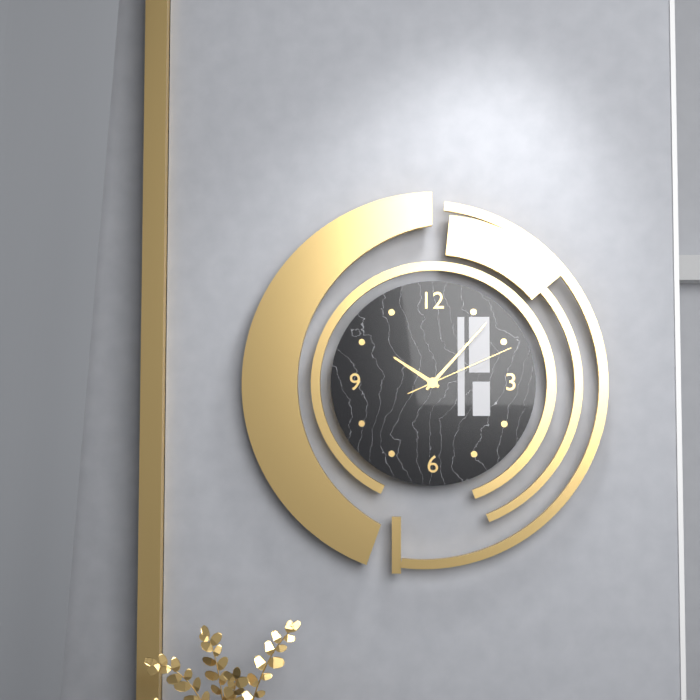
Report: 10:07:11
